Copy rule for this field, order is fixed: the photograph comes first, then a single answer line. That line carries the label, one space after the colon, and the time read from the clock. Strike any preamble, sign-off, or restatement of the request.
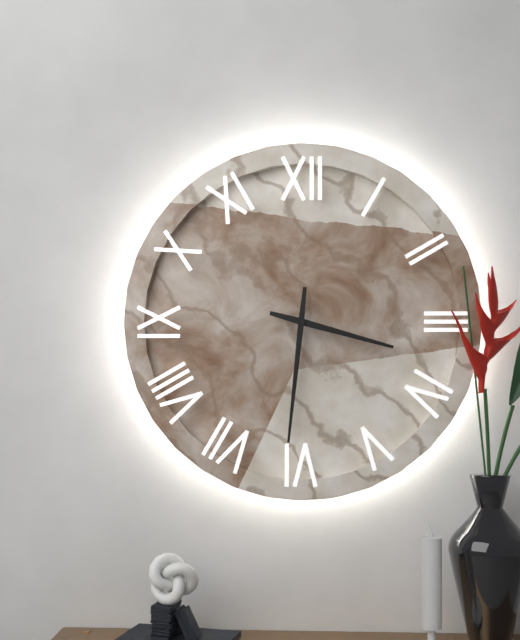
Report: 3:31
